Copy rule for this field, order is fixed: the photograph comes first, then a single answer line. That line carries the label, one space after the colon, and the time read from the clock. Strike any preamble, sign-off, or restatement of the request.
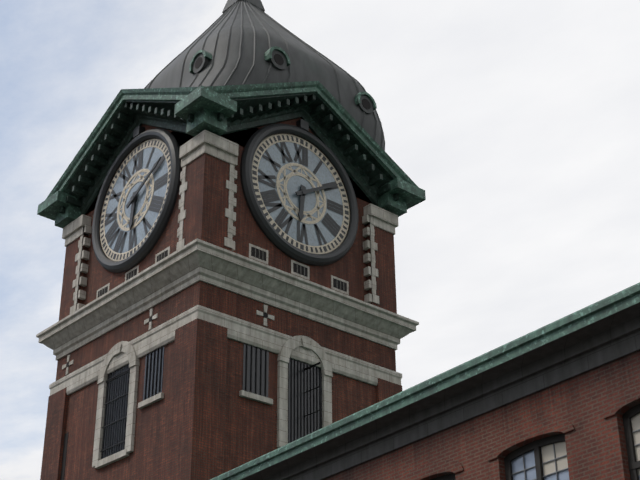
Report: 6:10
